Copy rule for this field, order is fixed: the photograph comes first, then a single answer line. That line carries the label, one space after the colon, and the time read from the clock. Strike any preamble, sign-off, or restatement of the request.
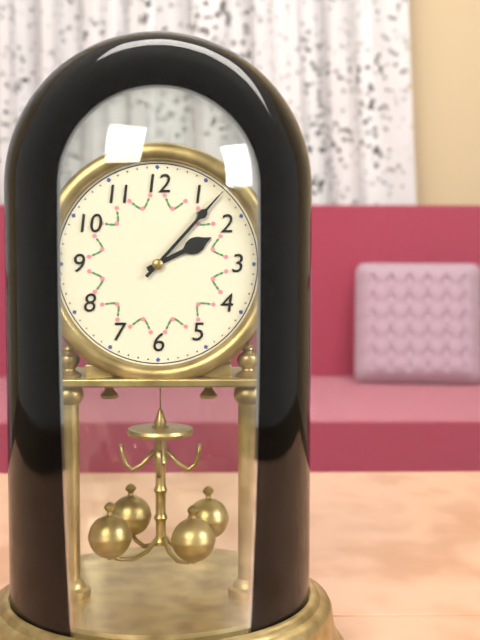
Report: 2:07
